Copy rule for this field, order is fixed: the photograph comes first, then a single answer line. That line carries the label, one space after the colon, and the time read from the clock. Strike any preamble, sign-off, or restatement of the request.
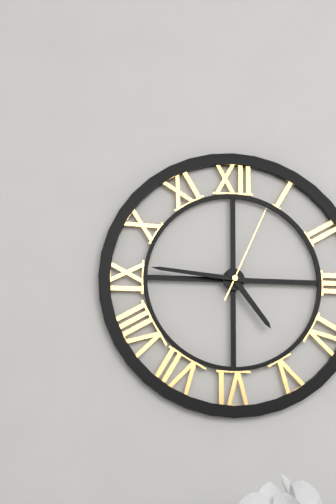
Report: 4:46:04
